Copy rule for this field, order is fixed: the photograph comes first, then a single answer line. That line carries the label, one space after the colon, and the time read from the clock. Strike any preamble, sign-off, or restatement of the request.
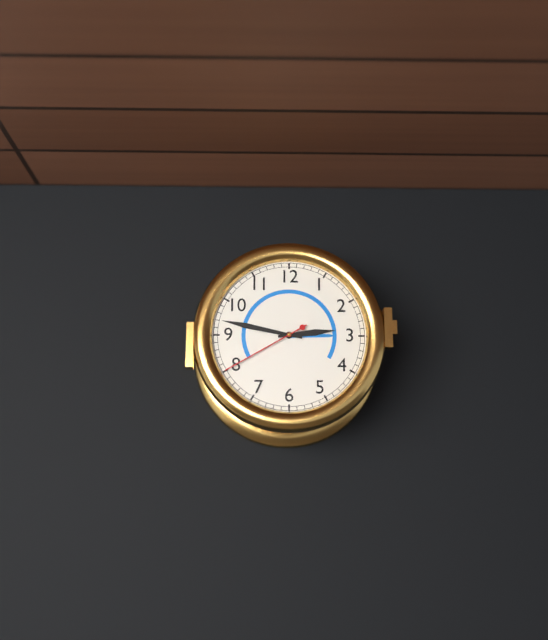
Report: 2:47:40
